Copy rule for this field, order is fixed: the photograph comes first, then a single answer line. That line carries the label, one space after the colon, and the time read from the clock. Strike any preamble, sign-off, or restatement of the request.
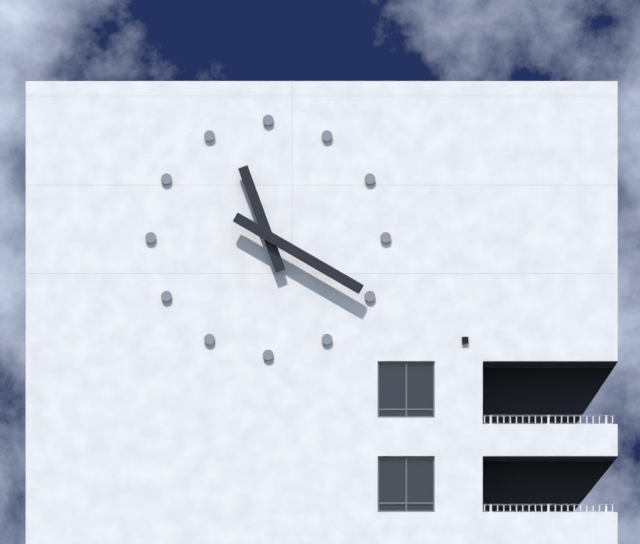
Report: 11:20
